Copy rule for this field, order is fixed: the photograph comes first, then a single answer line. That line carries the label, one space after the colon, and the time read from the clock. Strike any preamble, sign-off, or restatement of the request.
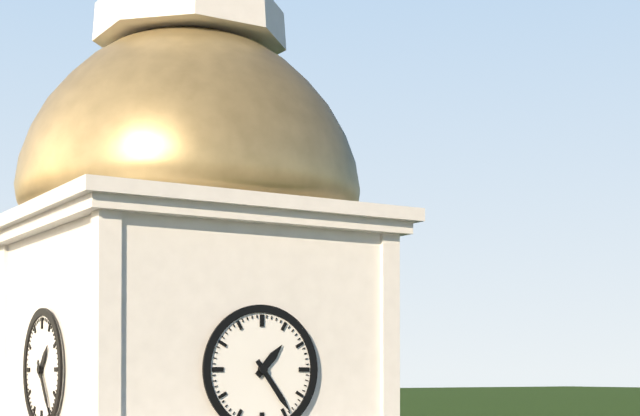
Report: 1:24
